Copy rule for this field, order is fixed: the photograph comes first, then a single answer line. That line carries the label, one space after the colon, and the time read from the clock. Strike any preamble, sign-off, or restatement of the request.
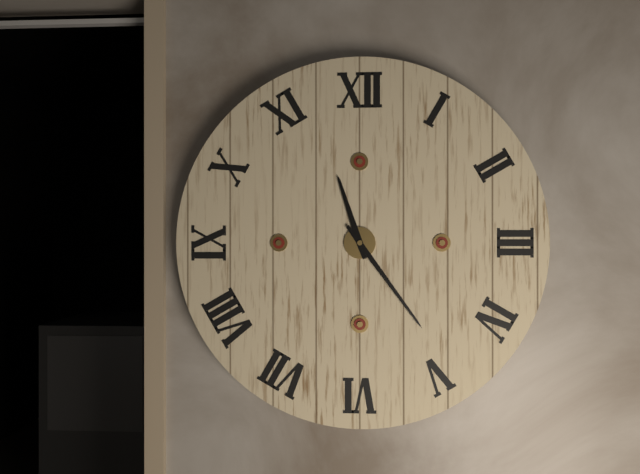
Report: 11:24
